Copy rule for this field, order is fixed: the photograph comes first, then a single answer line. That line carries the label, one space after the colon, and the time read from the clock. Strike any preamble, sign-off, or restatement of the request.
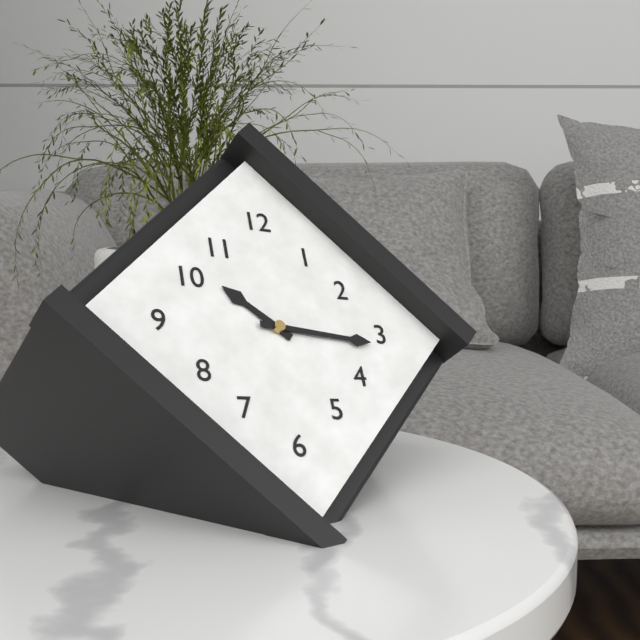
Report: 10:16
